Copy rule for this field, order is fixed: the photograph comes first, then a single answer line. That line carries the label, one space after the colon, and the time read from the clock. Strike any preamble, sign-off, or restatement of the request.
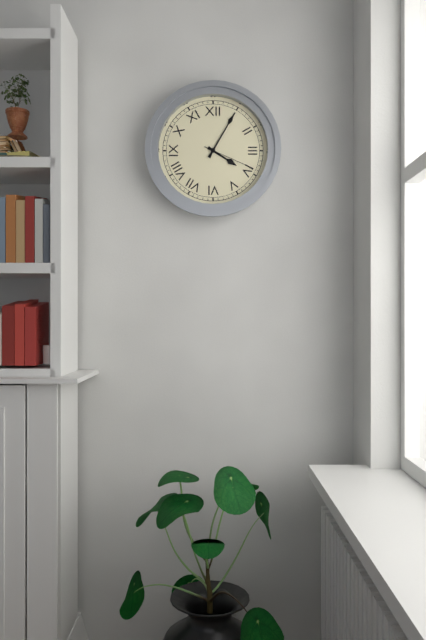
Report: 4:05:19
